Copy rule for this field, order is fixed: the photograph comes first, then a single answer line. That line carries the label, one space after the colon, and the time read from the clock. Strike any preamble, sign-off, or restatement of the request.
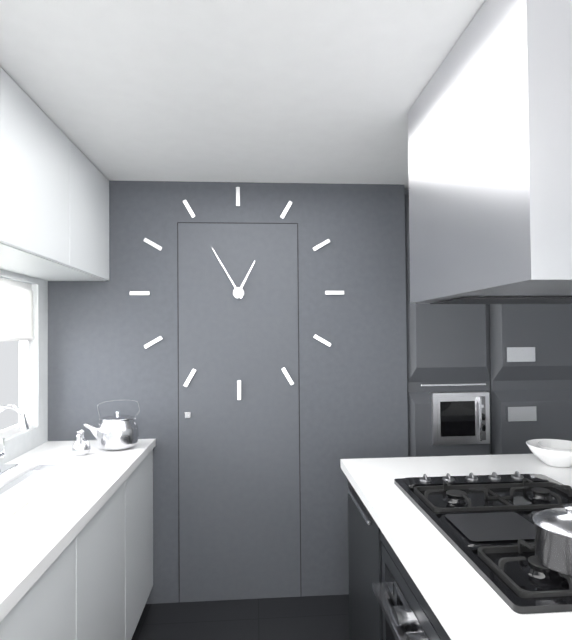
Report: 12:55
